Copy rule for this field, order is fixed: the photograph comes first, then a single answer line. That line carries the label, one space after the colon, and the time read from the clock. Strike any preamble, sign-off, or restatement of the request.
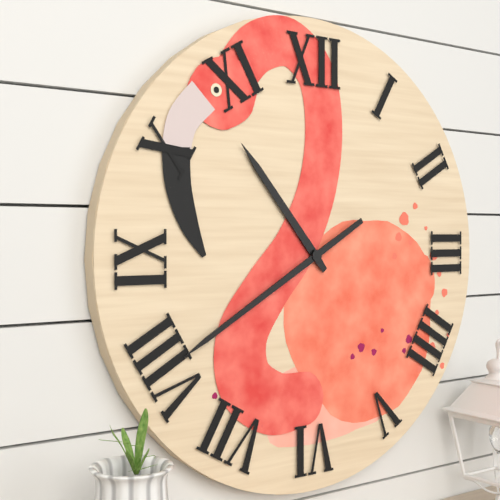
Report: 10:40
